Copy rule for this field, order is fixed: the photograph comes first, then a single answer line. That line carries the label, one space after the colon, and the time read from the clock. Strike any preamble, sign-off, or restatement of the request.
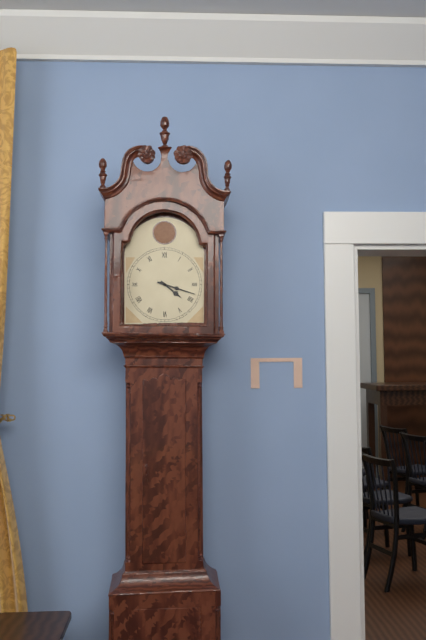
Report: 4:18
